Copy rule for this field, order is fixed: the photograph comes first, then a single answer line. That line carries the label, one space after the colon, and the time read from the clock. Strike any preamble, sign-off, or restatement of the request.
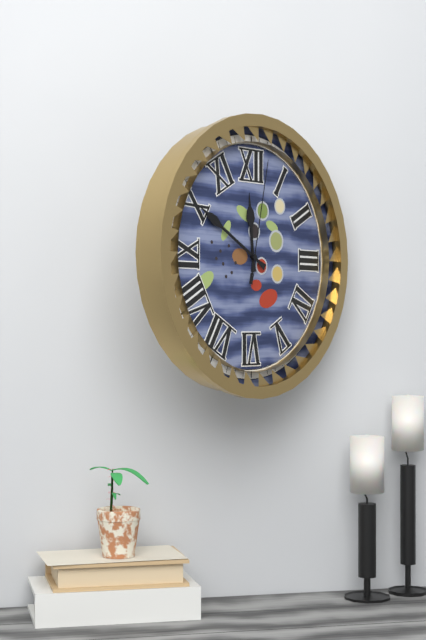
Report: 11:50:02
